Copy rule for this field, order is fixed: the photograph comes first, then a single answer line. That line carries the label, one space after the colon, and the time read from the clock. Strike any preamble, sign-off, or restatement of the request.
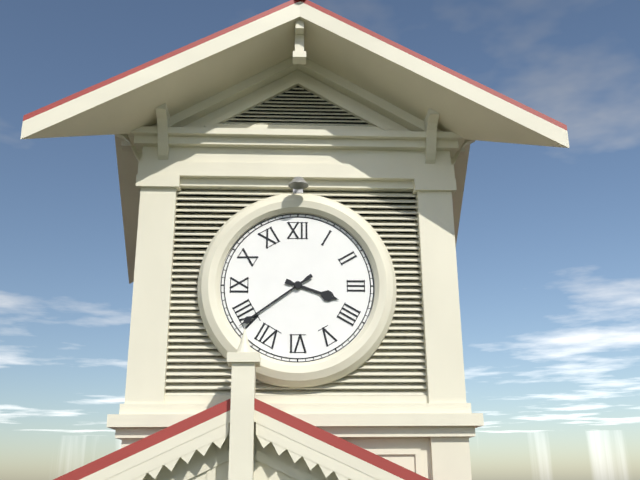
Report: 3:39
